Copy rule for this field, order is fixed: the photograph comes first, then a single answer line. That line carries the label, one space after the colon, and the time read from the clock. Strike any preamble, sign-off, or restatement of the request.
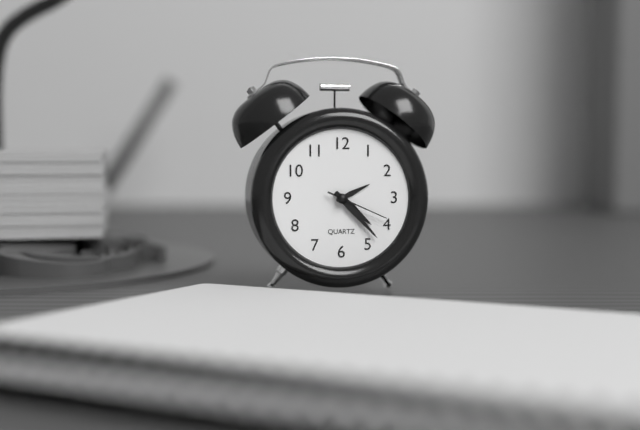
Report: 4:23:19
